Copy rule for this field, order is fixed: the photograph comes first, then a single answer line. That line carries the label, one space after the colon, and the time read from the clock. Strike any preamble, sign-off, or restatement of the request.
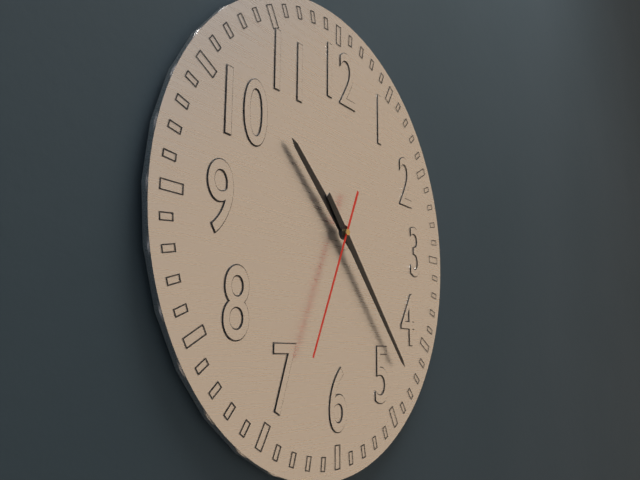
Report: 10:23:34
